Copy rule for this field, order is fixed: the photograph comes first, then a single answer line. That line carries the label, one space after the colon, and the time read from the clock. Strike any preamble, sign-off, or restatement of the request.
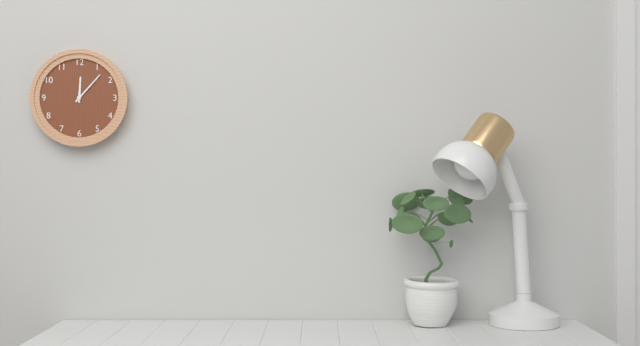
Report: 12:07
